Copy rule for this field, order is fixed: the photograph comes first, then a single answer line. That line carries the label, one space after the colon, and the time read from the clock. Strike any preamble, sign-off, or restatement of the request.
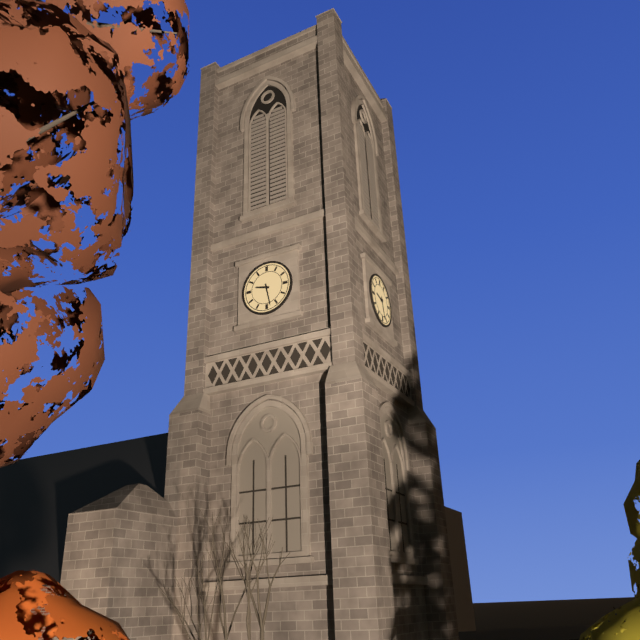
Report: 9:28
